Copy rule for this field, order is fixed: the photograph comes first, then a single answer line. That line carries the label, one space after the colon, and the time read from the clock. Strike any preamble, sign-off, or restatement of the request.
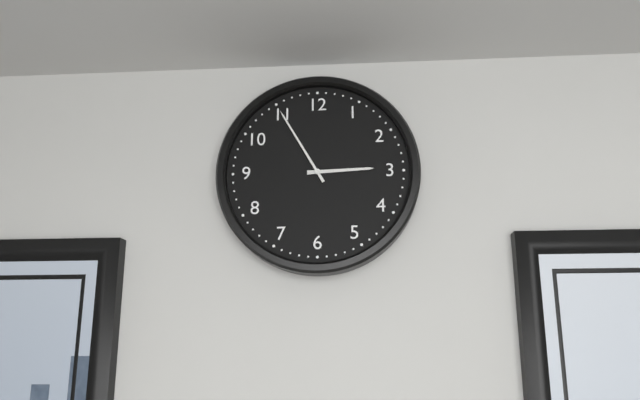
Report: 2:55
